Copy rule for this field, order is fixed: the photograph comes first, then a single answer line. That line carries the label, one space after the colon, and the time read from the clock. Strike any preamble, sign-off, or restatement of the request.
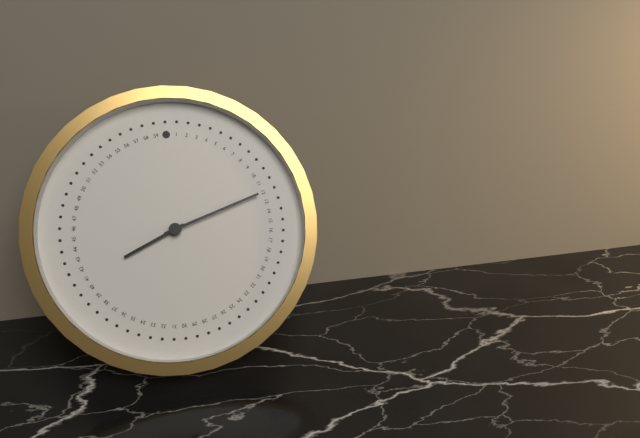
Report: 8:12
